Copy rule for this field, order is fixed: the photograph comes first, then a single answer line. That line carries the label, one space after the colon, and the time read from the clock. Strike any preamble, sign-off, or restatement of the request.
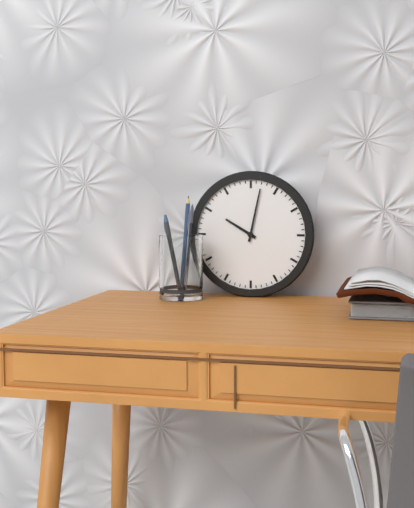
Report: 10:02
